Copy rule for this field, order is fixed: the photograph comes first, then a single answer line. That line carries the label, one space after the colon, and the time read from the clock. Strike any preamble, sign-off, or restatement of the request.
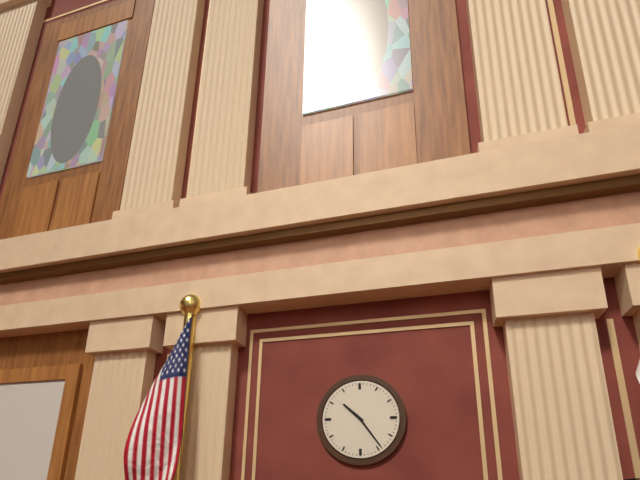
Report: 10:24
